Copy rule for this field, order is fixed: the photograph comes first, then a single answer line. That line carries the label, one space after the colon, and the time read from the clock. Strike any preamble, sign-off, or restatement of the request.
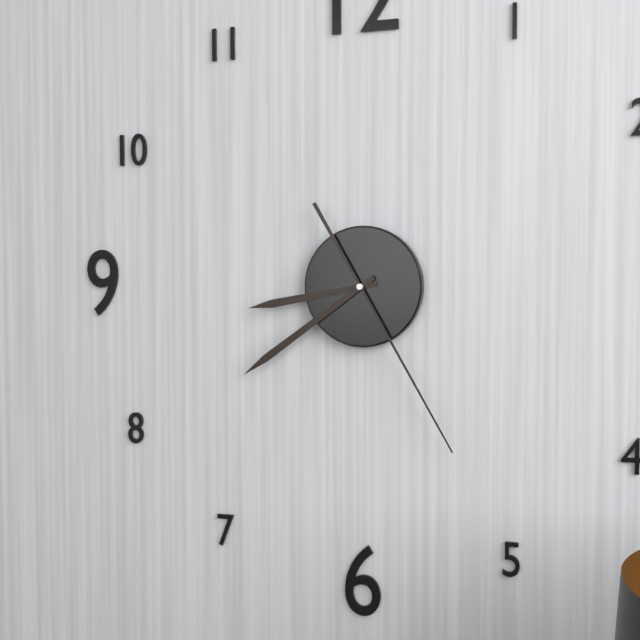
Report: 8:39:25
